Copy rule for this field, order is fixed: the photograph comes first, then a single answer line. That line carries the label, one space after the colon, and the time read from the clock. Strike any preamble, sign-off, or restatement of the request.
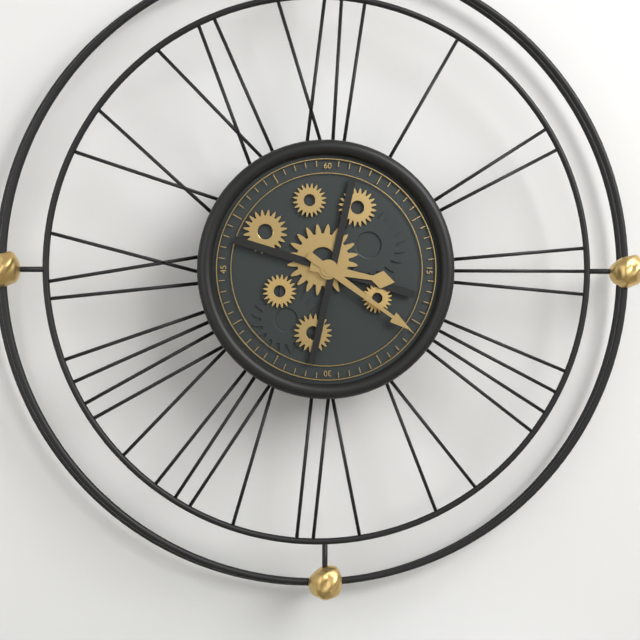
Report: 3:21
